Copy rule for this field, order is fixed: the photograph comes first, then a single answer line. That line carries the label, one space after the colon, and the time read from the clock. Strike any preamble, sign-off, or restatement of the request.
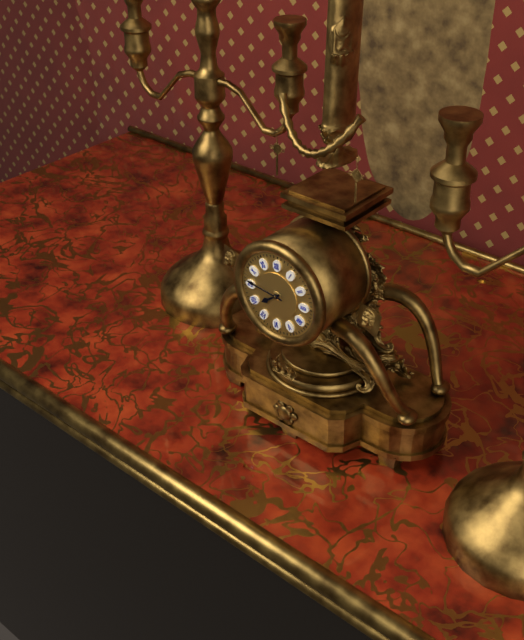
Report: 7:46
